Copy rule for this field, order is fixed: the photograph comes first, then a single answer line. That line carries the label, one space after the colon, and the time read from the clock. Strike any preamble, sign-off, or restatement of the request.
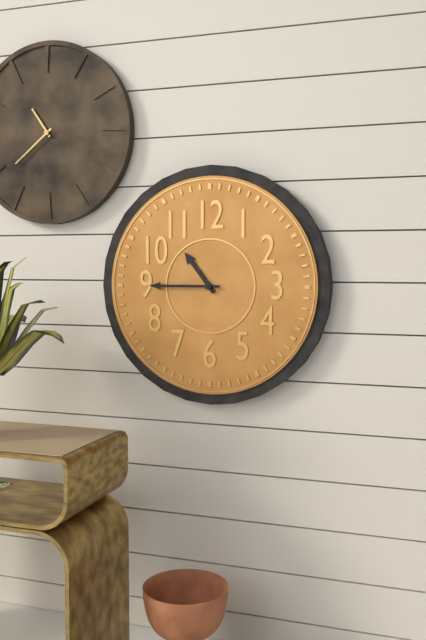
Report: 10:45
